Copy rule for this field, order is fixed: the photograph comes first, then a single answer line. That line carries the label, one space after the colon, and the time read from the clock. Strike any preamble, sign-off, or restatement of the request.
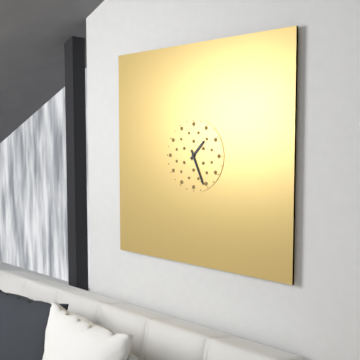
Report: 1:26
